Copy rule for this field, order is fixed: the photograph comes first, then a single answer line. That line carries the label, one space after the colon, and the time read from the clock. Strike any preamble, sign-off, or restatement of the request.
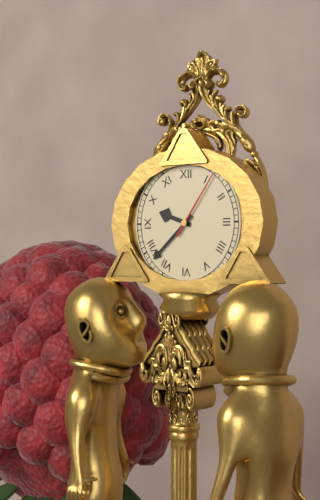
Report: 9:38:06
